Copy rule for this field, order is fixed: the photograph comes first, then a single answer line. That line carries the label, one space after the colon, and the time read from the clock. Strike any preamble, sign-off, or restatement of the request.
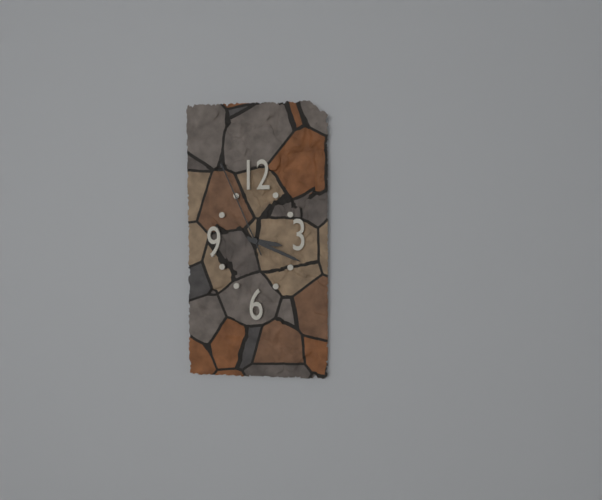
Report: 3:19:56
